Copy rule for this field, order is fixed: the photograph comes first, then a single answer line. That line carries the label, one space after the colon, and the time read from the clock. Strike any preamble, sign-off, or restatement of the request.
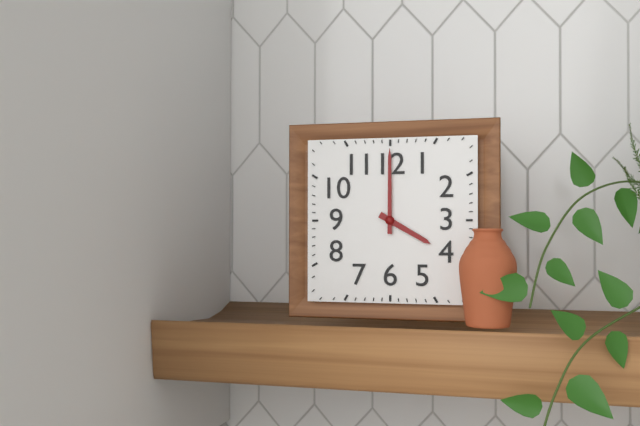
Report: 4:00
